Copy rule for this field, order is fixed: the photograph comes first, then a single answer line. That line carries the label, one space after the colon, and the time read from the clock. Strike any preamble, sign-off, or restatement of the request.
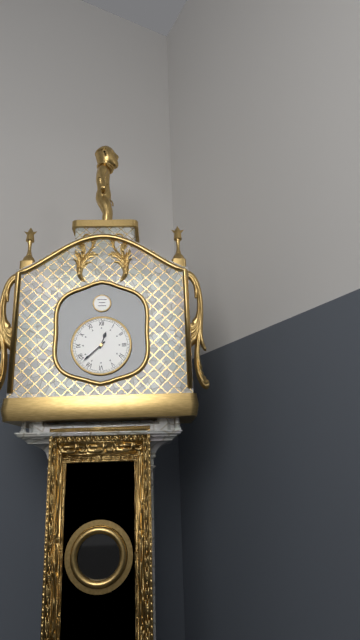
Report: 12:38
